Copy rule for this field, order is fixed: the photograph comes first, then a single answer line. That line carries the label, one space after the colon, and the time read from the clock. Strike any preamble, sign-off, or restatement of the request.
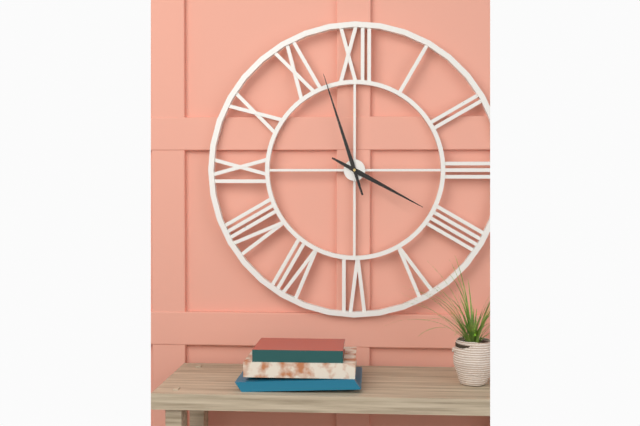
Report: 3:57
